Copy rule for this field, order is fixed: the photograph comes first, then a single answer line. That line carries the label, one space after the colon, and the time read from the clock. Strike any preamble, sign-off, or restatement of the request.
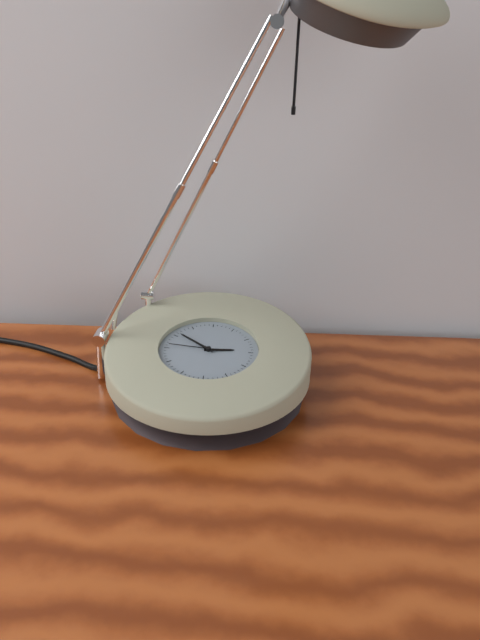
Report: 2:51:46
